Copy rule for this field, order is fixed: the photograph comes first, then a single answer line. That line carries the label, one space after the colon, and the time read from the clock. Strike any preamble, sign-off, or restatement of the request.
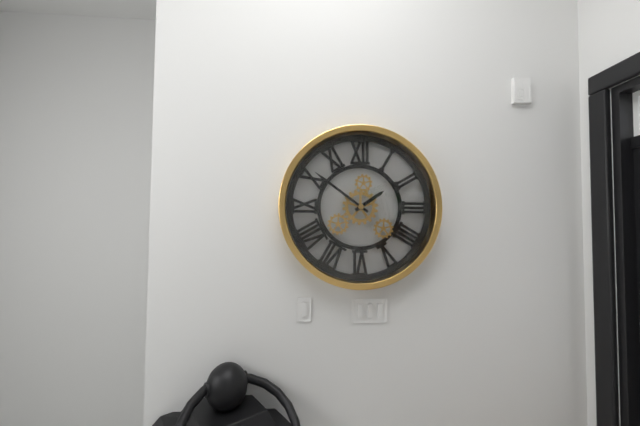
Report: 1:51
